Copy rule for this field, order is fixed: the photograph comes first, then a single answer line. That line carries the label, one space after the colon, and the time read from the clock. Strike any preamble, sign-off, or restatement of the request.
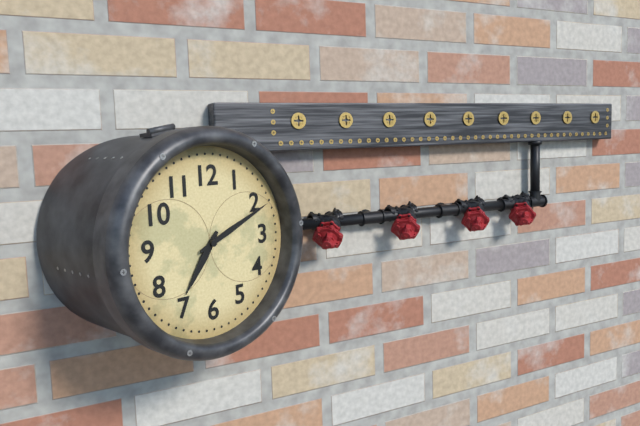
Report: 7:11
